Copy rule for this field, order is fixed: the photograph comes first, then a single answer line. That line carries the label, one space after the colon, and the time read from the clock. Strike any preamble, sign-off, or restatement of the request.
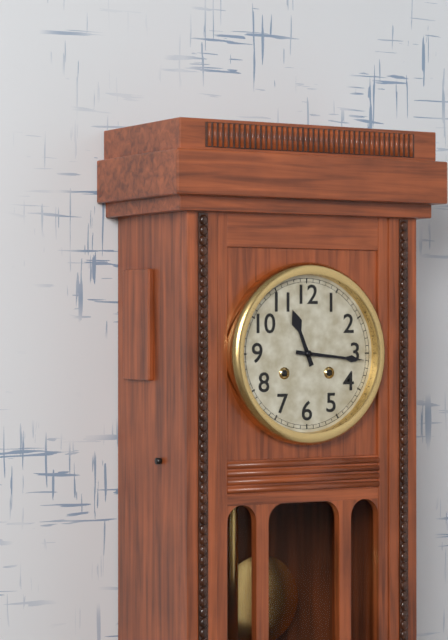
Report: 11:16
